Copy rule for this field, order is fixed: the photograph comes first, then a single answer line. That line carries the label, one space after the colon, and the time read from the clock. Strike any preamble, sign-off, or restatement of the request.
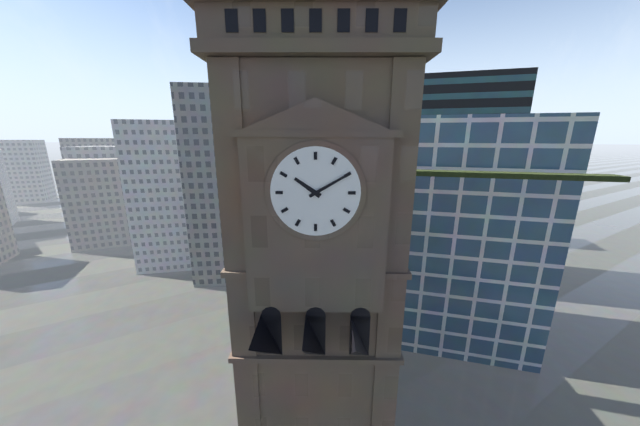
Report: 10:10
